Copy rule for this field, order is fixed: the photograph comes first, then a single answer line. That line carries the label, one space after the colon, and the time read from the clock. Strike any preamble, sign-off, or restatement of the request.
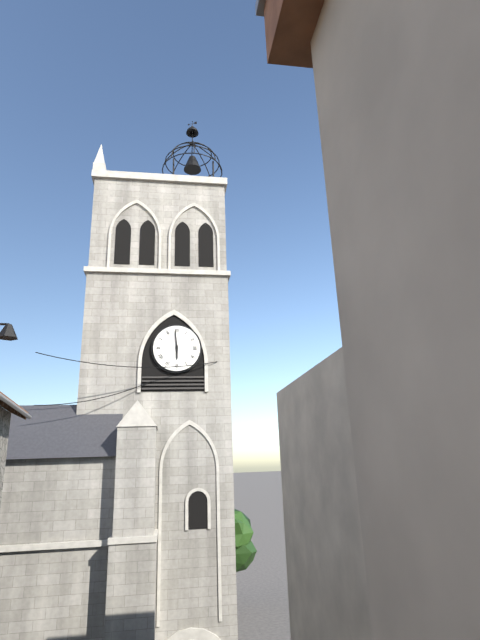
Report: 5:59
